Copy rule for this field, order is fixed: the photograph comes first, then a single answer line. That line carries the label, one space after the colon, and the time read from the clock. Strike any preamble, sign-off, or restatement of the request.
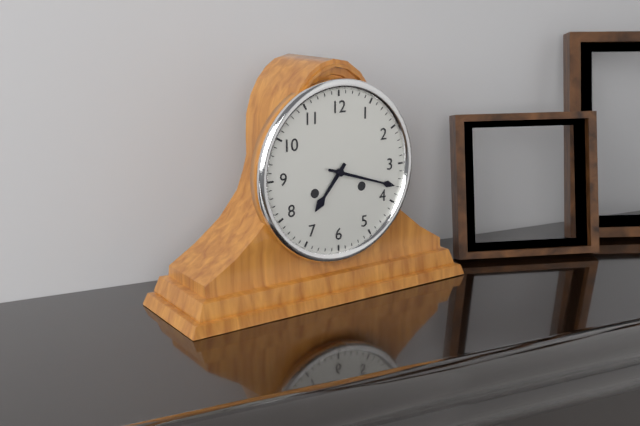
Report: 7:18
